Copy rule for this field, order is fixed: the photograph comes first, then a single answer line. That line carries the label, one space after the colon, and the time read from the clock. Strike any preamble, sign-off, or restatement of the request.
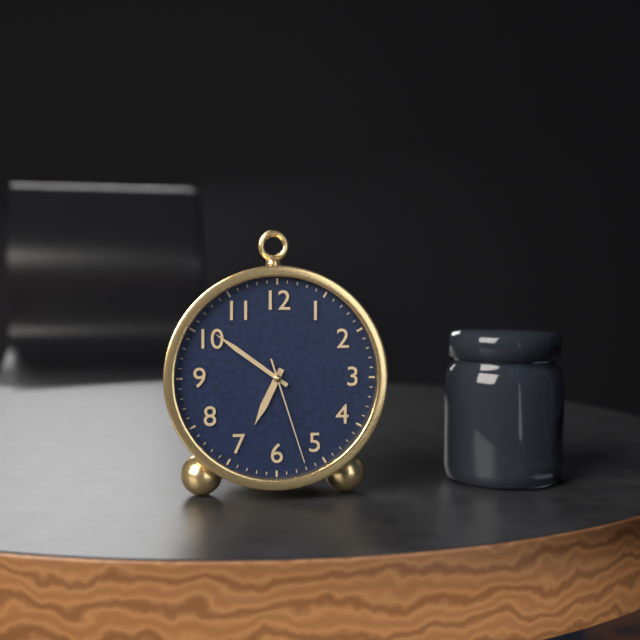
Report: 6:51:27
